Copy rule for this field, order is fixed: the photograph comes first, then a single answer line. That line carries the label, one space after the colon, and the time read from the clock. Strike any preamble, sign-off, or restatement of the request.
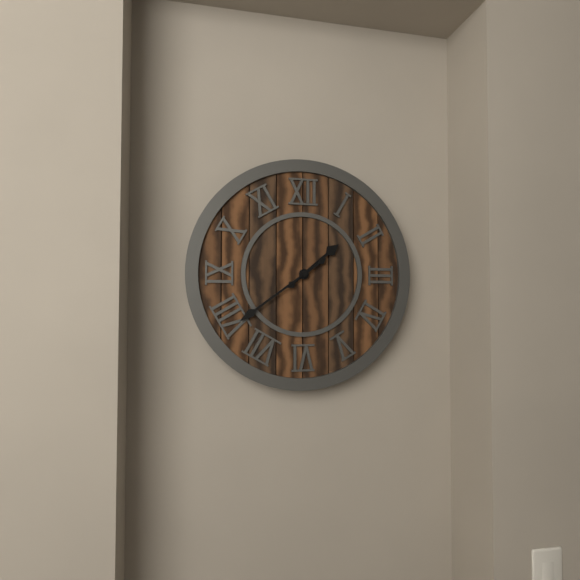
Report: 1:39
